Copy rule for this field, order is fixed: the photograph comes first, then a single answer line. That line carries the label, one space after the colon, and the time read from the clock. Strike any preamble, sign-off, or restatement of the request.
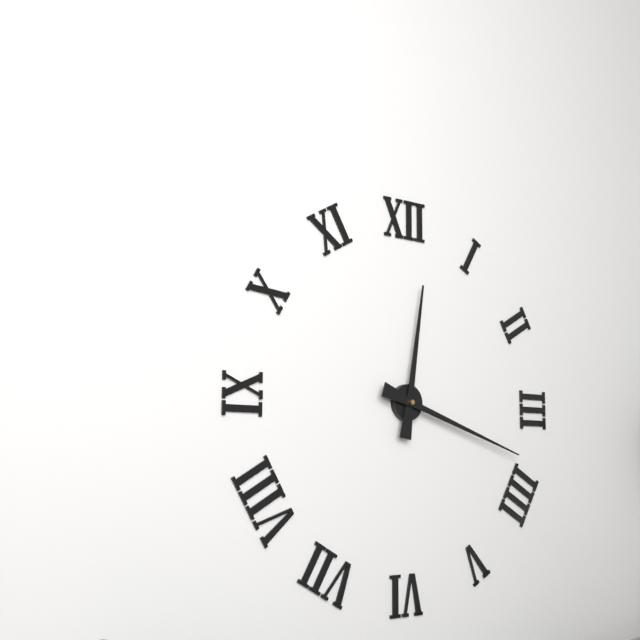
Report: 12:18
